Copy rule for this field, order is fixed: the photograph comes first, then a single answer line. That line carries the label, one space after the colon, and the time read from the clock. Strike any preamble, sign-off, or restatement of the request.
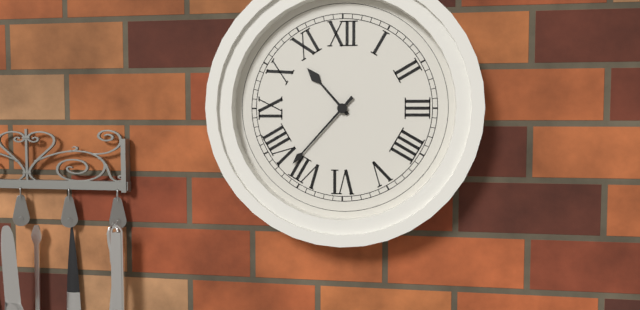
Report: 10:37
